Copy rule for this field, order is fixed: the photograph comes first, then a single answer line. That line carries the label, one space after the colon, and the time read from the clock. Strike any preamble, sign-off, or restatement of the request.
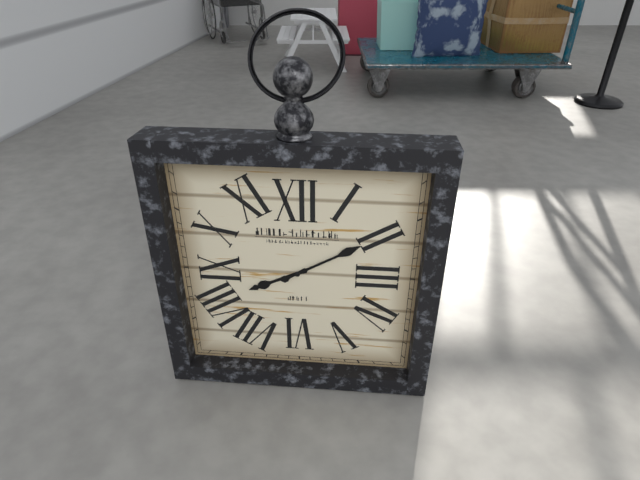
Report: 8:10
